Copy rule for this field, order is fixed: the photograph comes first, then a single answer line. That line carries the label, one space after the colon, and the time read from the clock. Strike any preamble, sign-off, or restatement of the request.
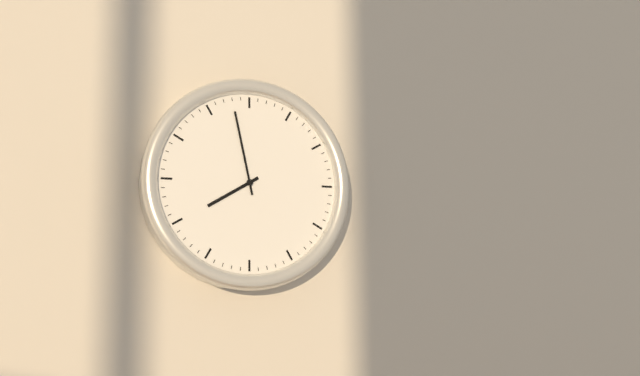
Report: 7:58
